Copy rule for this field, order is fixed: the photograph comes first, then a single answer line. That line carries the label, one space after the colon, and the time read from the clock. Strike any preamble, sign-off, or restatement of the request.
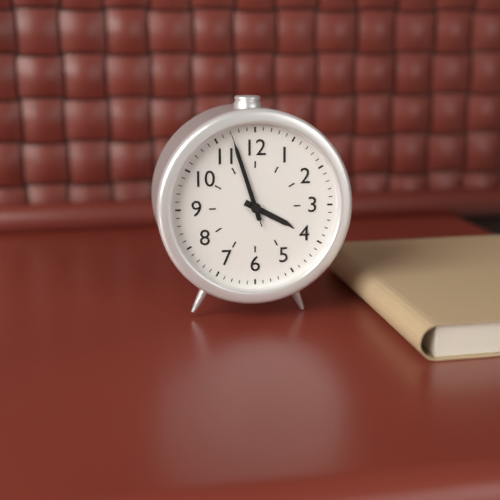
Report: 3:57:57
